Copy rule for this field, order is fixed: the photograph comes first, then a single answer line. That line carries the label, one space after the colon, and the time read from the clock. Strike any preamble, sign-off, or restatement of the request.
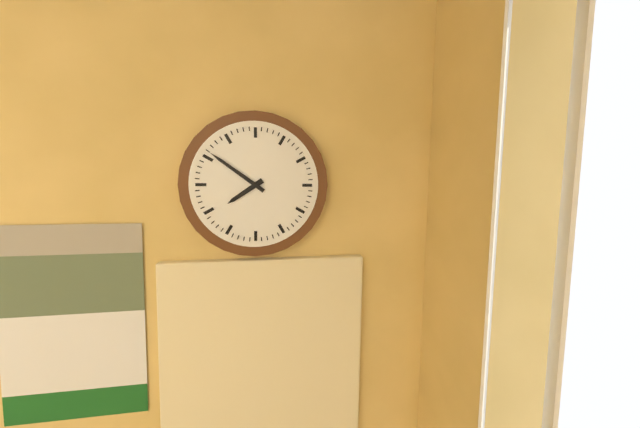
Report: 7:51
